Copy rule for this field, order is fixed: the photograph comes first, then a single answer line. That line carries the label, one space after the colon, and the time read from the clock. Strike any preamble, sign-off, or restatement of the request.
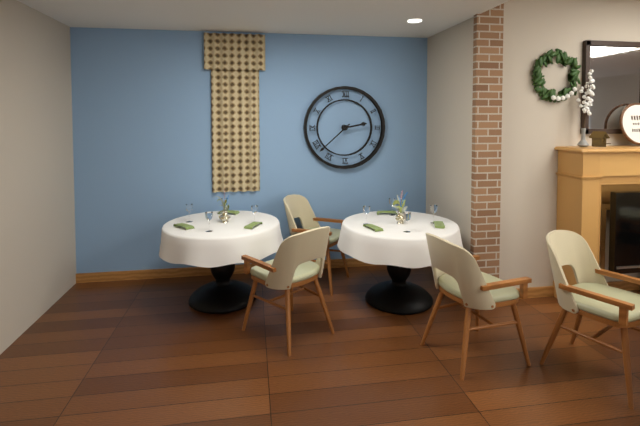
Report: 2:38
